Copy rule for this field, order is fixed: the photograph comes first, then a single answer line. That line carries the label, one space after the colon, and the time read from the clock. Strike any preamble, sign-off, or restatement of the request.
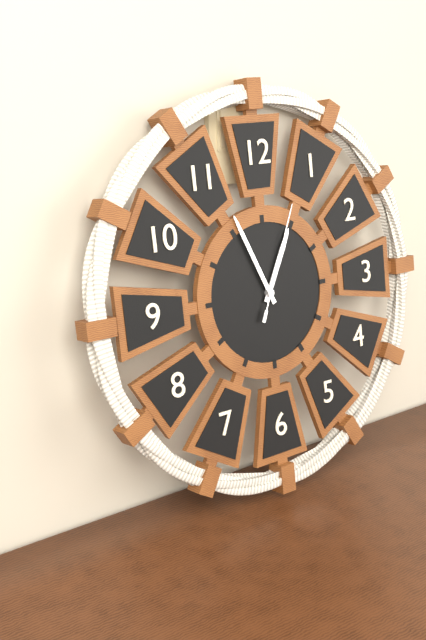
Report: 12:56:04
